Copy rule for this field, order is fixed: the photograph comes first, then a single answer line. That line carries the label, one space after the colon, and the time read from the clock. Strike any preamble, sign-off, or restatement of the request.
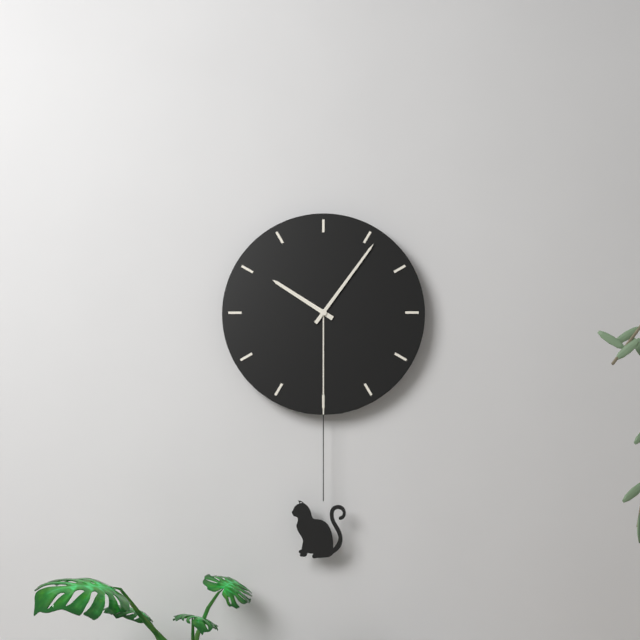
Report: 10:06
